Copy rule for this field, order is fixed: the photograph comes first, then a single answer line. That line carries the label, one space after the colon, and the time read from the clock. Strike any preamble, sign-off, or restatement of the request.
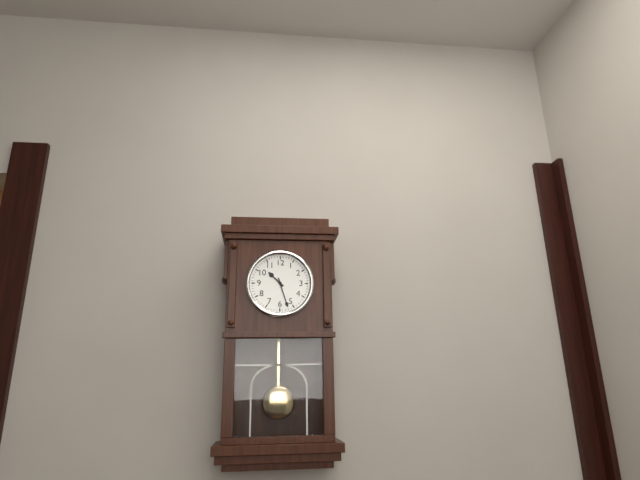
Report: 10:27
